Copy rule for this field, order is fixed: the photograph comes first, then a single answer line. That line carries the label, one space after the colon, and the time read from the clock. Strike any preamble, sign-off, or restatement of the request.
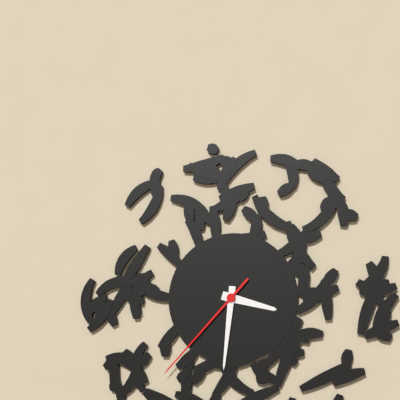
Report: 3:31:37
